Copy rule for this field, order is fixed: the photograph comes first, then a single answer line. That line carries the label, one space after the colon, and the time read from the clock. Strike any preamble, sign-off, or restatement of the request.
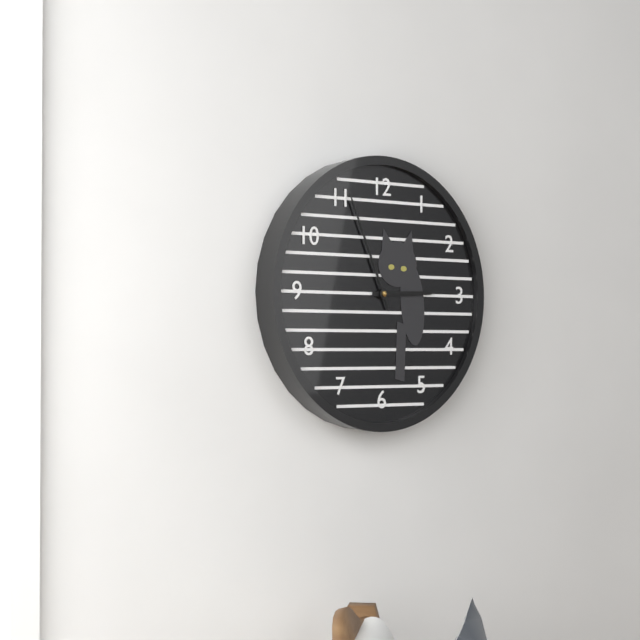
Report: 2:56
